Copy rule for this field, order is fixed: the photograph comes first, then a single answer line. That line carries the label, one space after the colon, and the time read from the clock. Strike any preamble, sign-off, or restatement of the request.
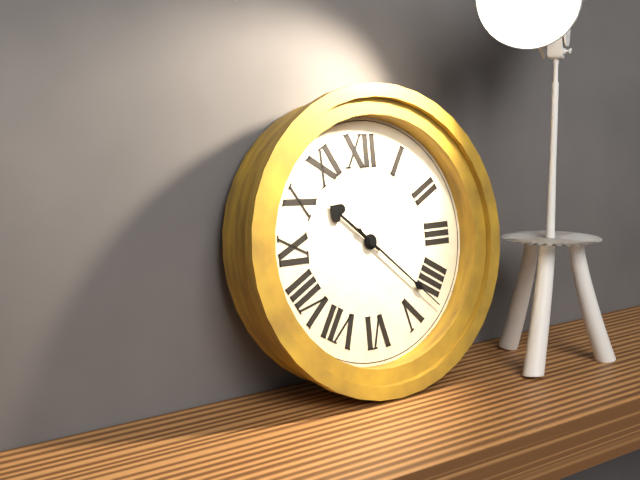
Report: 10:22
